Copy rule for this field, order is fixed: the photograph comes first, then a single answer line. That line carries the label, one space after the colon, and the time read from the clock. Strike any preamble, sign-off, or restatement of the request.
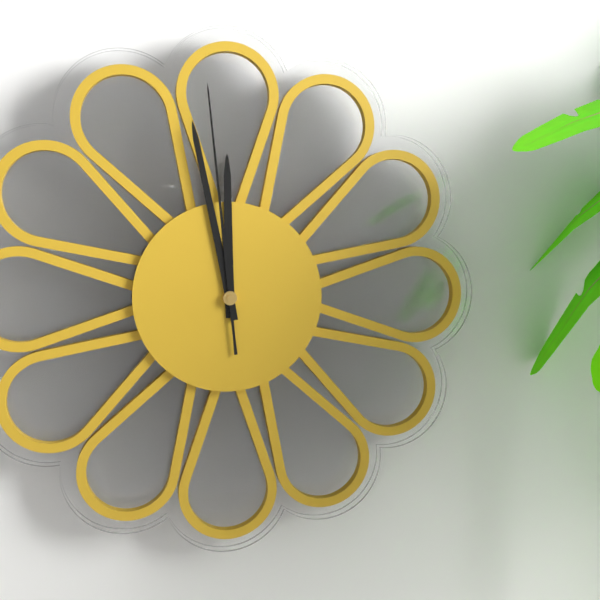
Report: 11:58:59
